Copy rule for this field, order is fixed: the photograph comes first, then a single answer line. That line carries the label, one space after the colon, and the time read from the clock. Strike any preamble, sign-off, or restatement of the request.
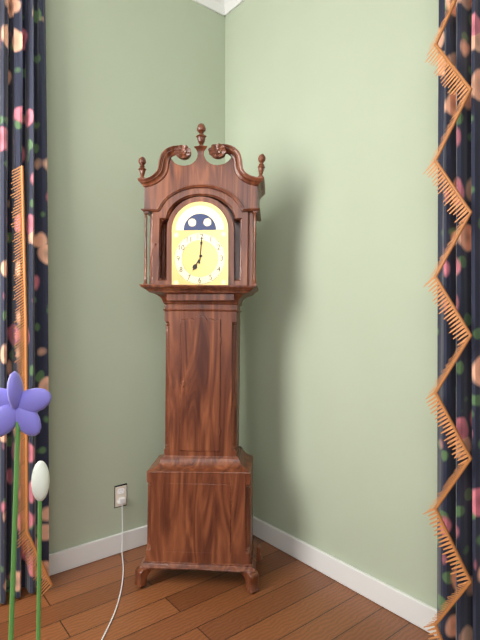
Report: 7:01
